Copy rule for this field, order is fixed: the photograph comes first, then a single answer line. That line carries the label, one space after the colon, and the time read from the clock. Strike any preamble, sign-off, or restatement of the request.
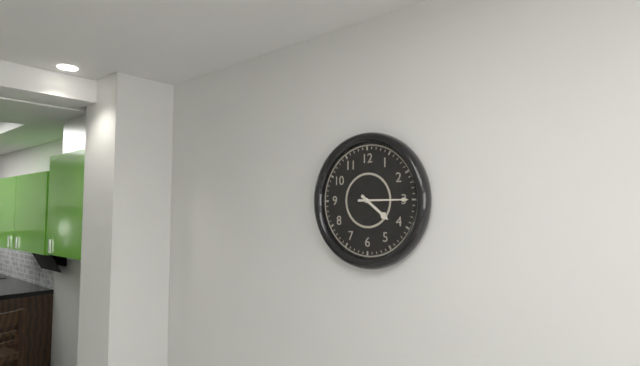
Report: 4:15
